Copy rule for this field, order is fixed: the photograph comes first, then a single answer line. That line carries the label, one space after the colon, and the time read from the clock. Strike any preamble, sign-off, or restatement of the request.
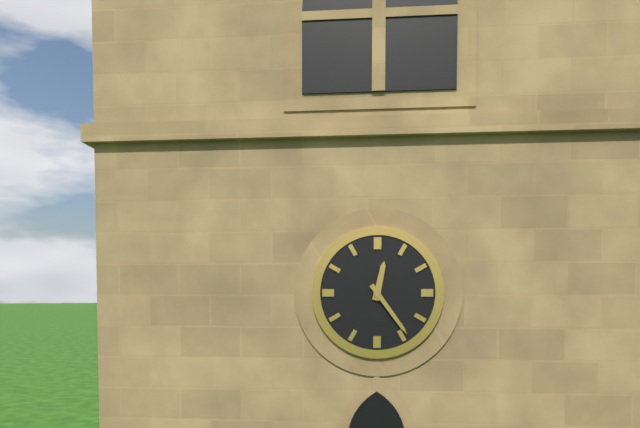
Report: 12:24
